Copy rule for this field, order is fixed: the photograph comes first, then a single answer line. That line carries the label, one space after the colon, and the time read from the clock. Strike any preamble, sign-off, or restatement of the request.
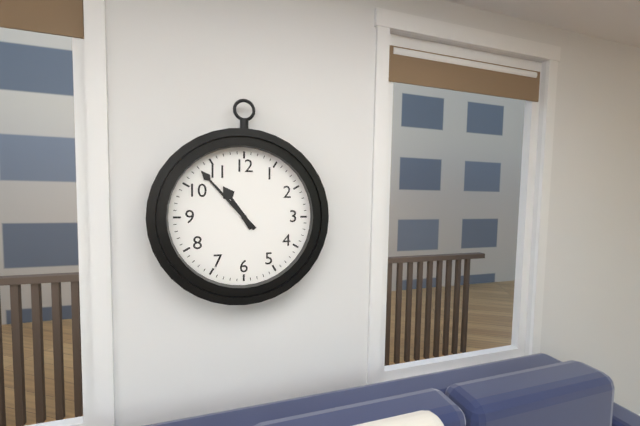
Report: 10:53
